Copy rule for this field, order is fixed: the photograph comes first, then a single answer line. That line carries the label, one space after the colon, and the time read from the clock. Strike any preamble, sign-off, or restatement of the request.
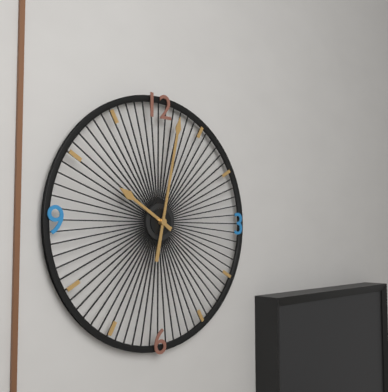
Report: 10:02
